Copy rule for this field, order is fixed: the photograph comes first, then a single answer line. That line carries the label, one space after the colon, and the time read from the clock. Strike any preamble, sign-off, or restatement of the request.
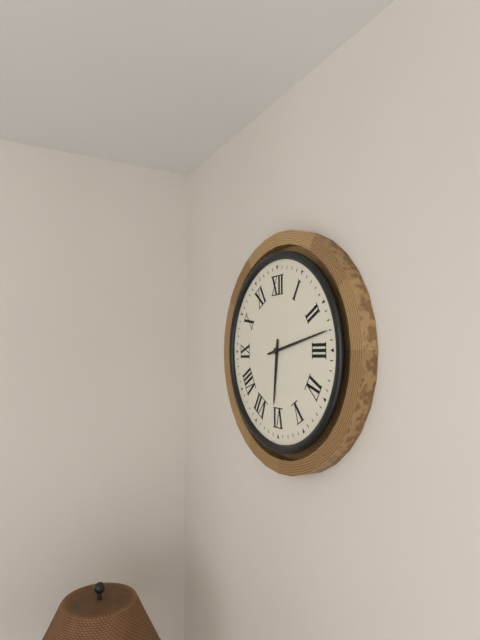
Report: 6:13
